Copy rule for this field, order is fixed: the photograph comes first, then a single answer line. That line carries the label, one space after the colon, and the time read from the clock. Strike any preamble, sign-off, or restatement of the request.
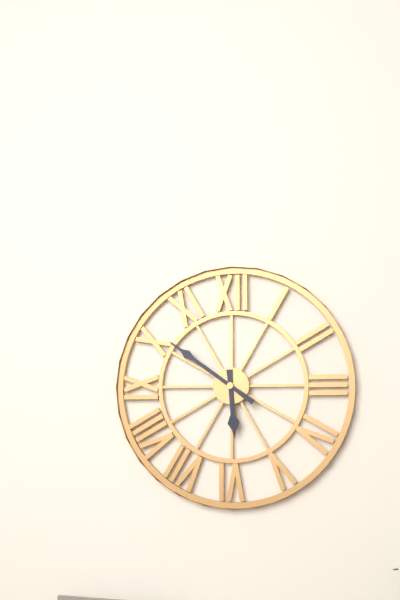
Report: 5:51
